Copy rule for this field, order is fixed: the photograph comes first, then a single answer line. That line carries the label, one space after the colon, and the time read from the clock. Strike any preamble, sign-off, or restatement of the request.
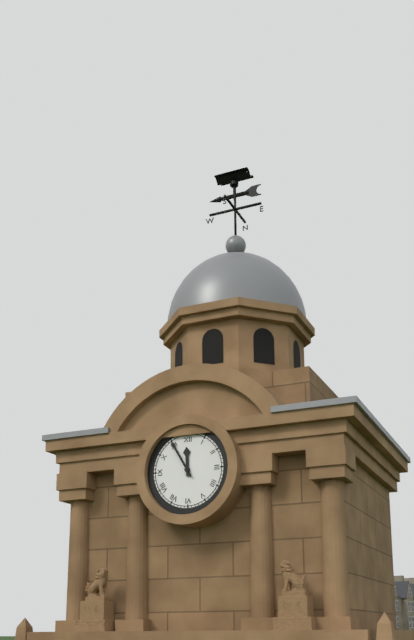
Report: 11:55
